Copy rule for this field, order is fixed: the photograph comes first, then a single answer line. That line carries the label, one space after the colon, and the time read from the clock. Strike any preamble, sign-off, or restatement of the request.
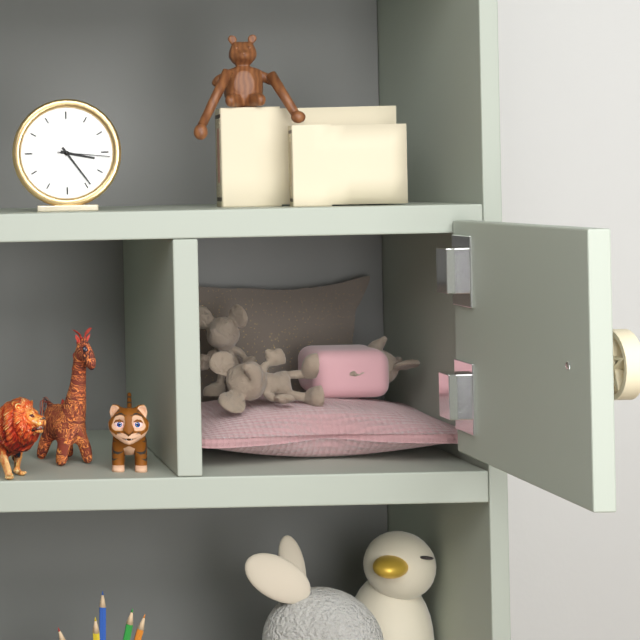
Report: 3:24:16
